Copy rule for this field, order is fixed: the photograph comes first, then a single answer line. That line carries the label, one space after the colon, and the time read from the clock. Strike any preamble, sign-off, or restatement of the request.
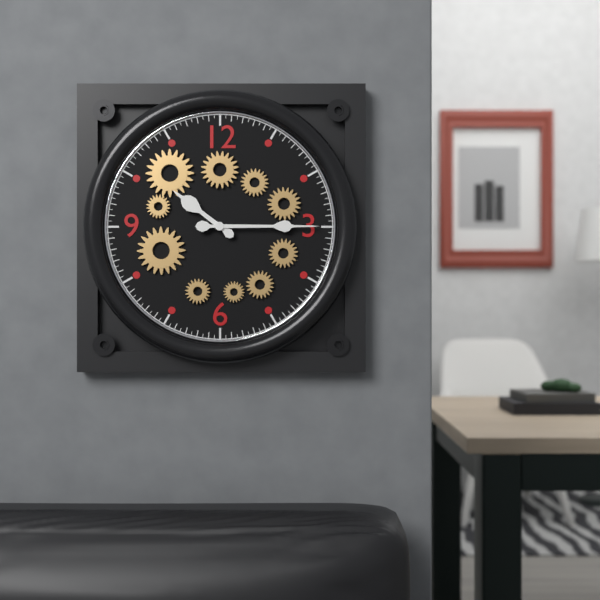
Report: 10:15
